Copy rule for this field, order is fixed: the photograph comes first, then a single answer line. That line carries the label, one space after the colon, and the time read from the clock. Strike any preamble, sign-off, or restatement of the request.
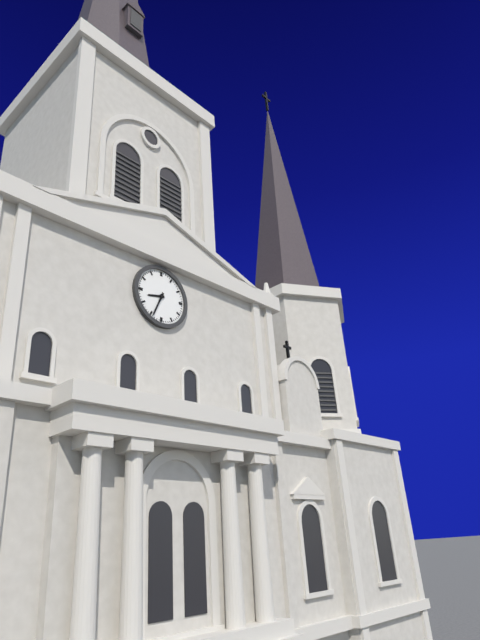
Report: 8:34
